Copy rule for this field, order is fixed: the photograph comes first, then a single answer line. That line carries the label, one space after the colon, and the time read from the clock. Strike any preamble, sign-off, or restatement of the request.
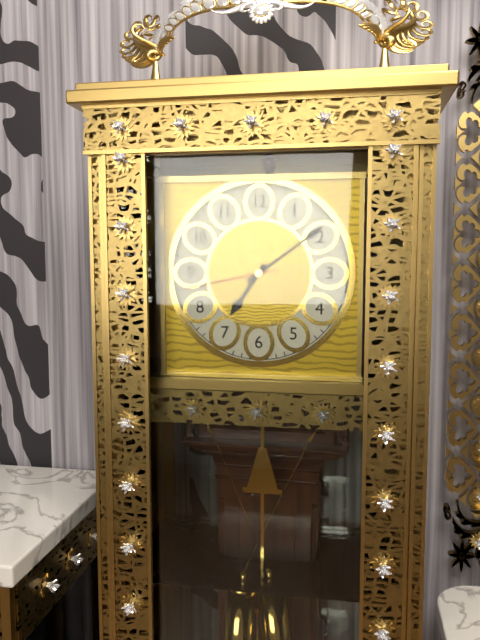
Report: 7:09:43
